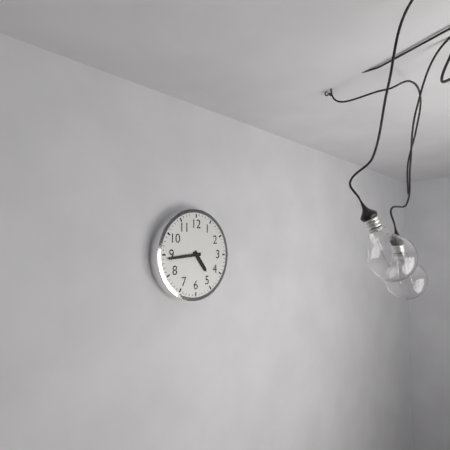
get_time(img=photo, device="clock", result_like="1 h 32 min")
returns 4 h 44 min
